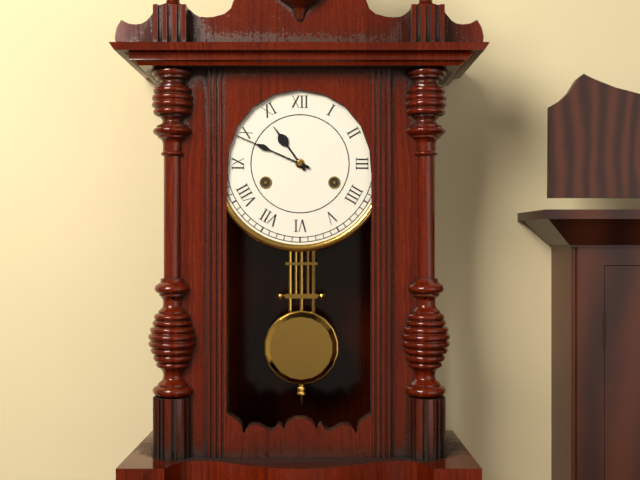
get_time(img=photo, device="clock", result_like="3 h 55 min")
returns 10 h 49 min
